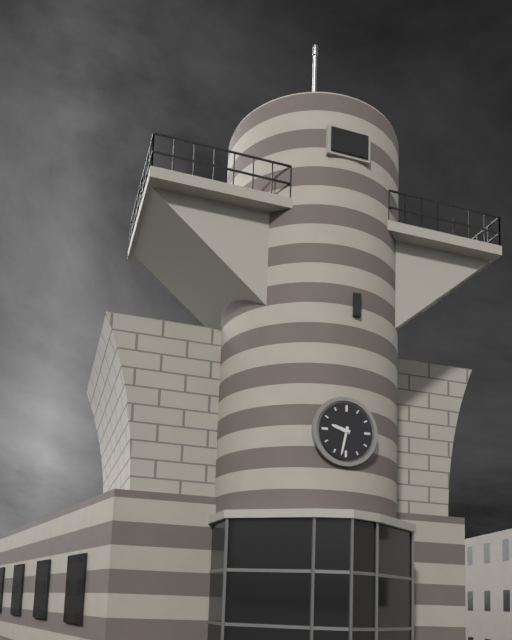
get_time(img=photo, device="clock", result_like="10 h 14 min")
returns 9 h 32 min
